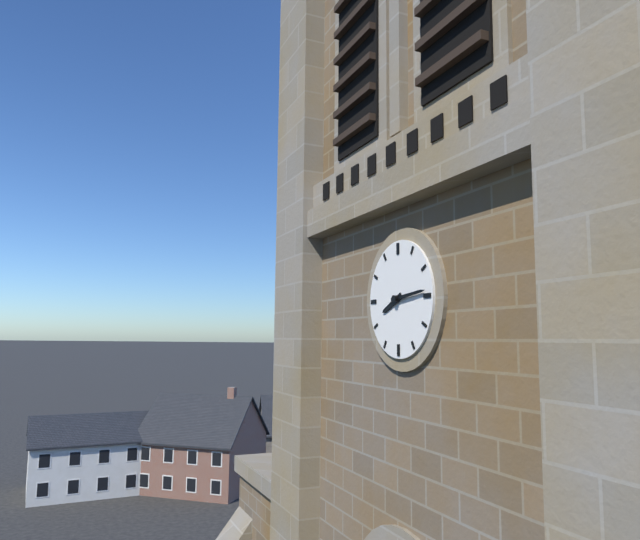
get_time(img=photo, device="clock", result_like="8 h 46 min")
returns 8 h 14 min
